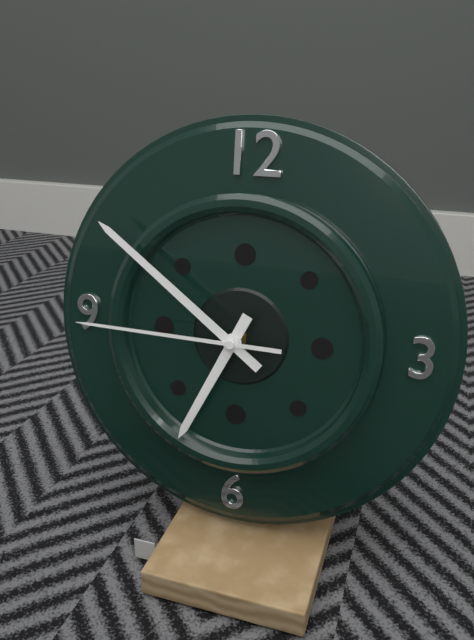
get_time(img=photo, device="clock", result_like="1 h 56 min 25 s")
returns 6 h 51 min 45 s
